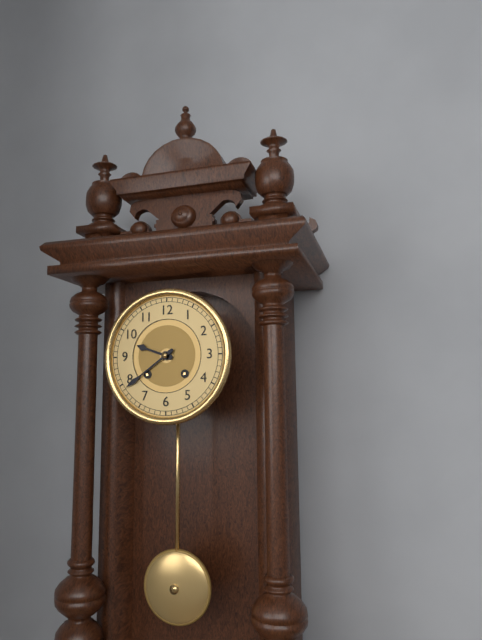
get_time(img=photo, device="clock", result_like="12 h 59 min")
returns 9 h 39 min
